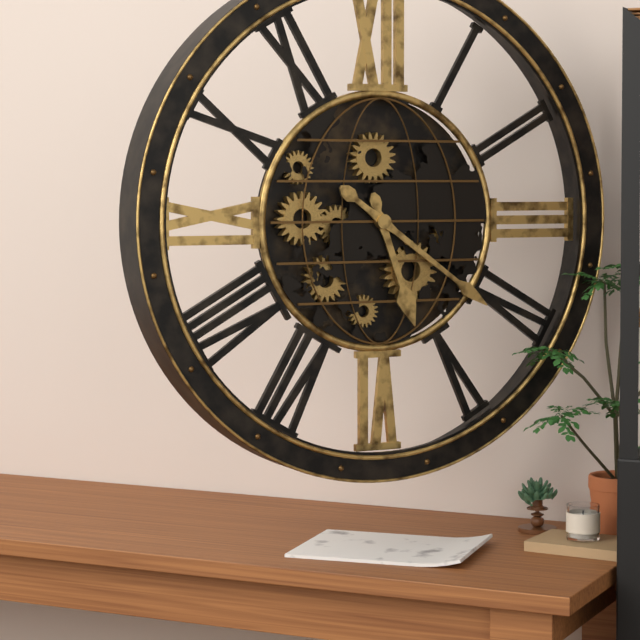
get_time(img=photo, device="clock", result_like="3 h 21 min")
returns 5 h 21 min
